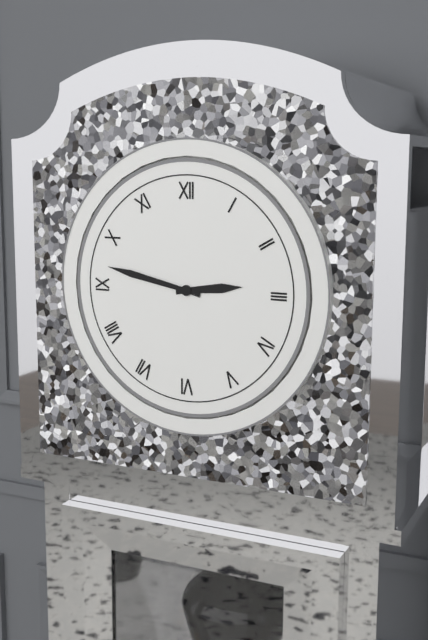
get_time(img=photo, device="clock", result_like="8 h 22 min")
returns 2 h 47 min
